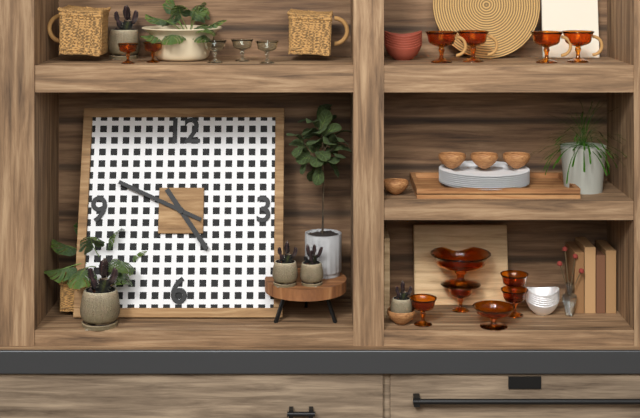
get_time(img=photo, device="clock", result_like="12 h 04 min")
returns 4 h 49 min
